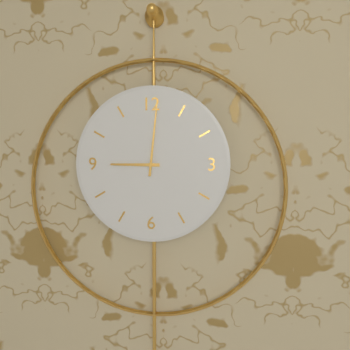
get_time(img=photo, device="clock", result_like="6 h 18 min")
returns 9 h 01 min
